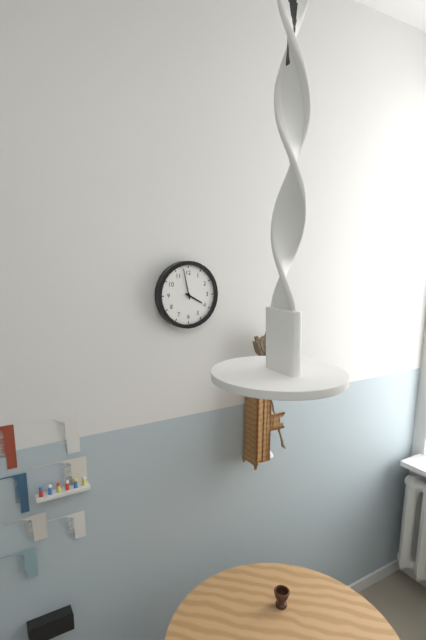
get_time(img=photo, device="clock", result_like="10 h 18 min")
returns 3 h 58 min
